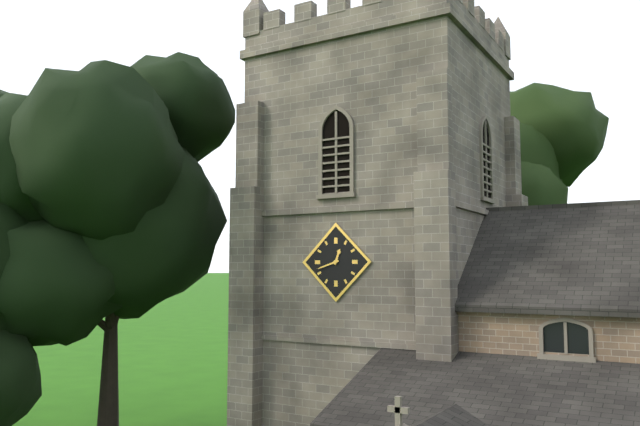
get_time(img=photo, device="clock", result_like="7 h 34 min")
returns 12 h 42 min
